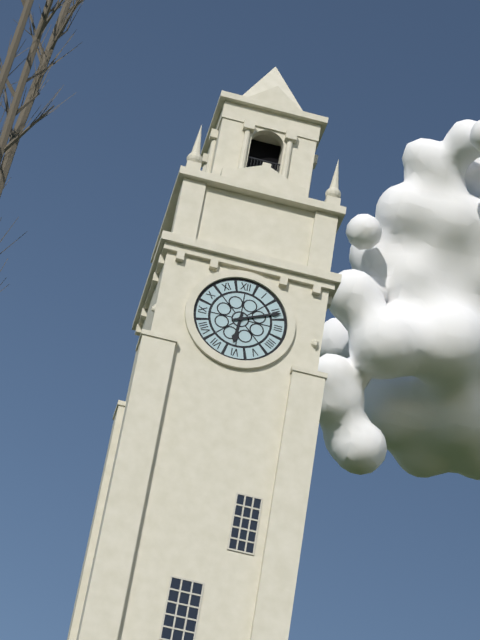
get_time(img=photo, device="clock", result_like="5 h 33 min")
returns 6 h 11 min
